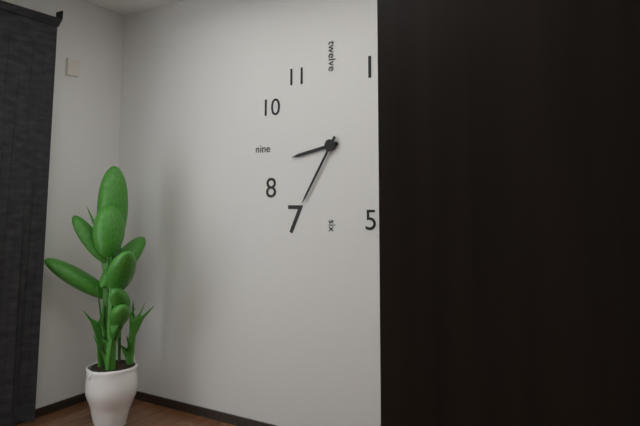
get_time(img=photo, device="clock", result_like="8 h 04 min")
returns 8 h 35 min
